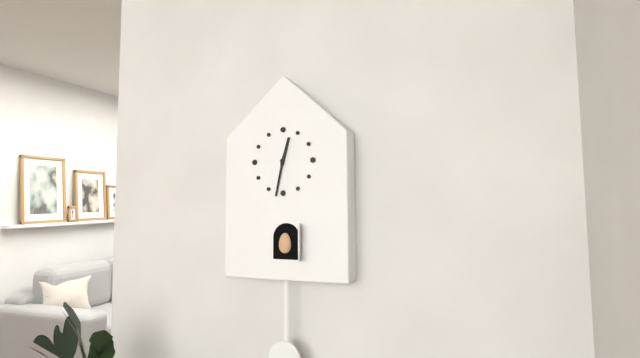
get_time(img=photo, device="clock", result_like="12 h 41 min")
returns 12 h 32 min
